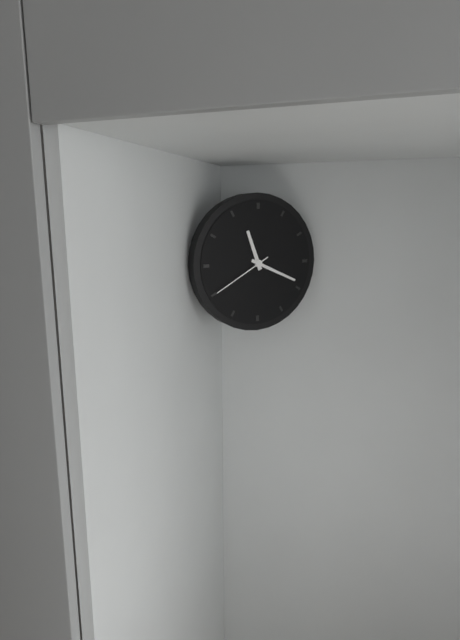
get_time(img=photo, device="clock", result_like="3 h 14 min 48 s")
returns 11 h 19 min 40 s
